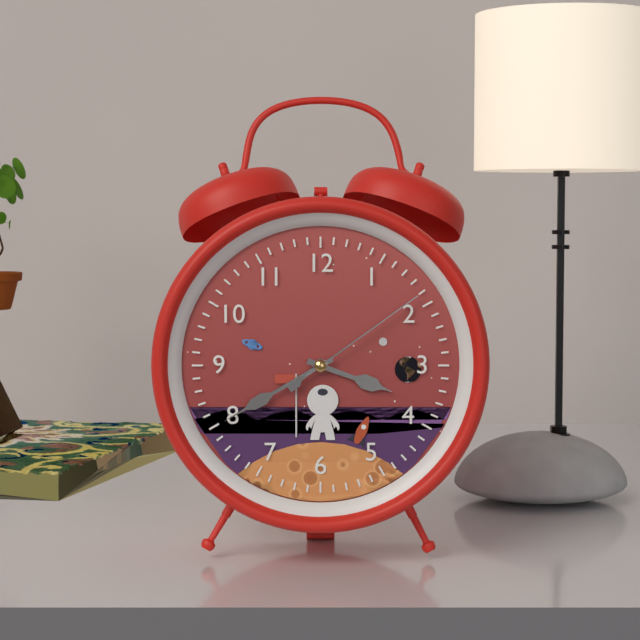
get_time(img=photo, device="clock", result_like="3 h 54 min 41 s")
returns 3 h 40 min 09 s
